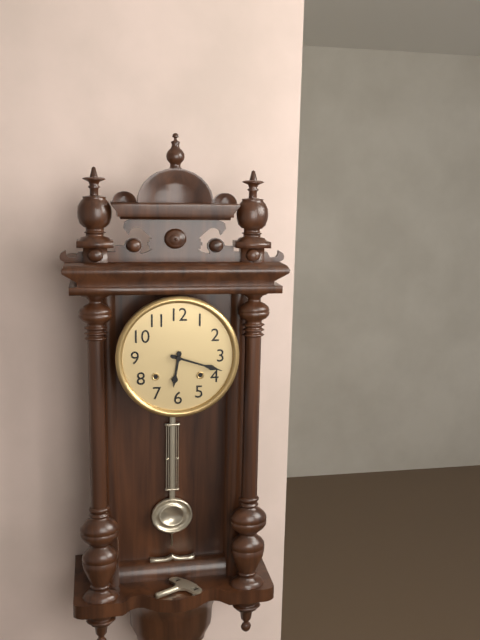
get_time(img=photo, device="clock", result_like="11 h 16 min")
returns 6 h 18 min
